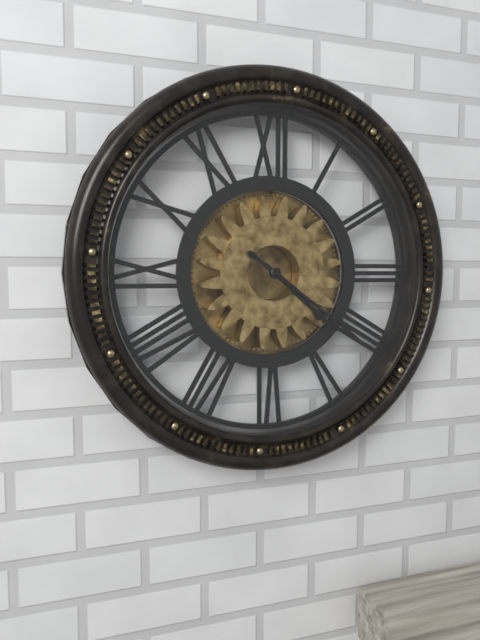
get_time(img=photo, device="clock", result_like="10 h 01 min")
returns 4 h 21 min
